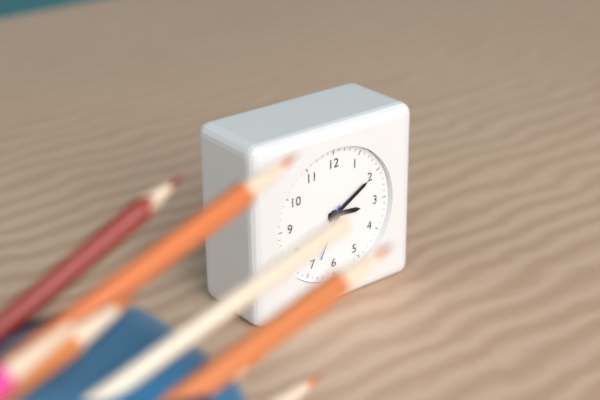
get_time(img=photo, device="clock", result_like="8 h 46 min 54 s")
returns 3 h 10 min 34 s
